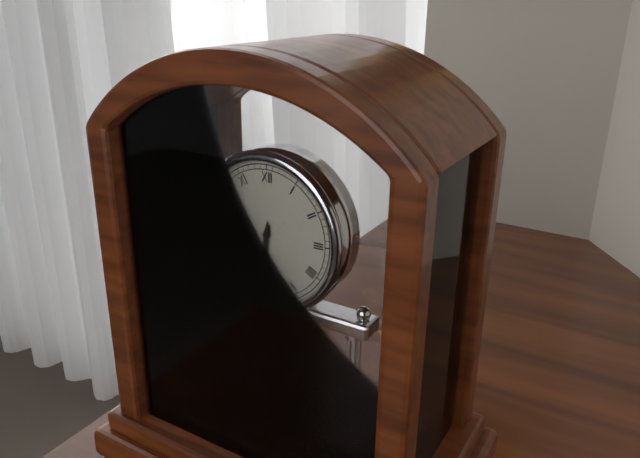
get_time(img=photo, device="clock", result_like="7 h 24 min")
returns 6 h 31 min
